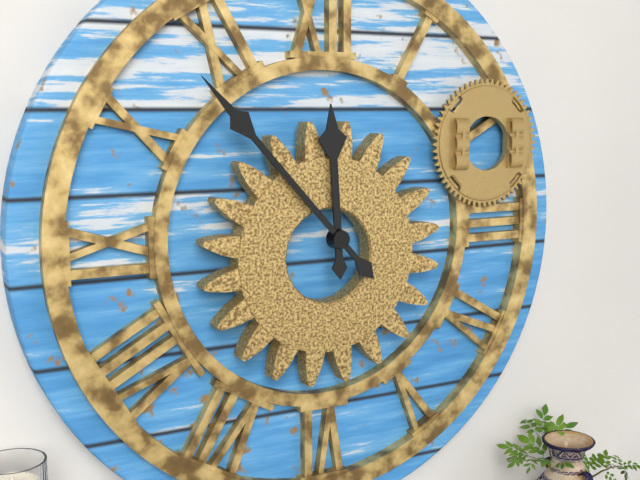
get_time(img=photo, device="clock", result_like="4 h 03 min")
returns 11 h 53 min
